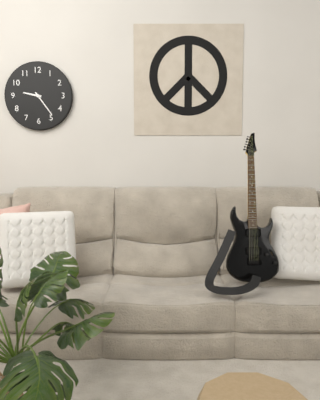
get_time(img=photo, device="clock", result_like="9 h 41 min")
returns 9 h 24 min
